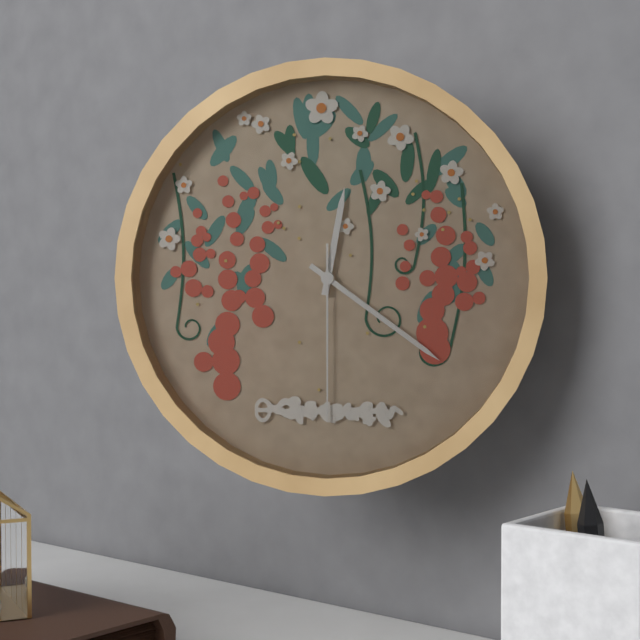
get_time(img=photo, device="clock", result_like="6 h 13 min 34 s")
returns 12 h 21 min 30 s
